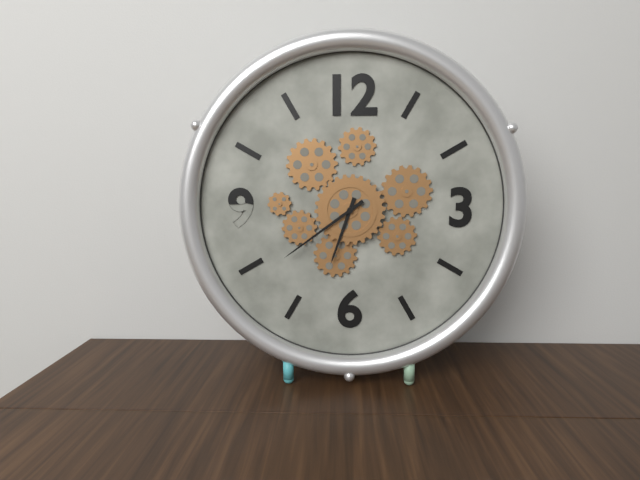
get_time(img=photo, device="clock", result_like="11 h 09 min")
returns 6 h 39 min
